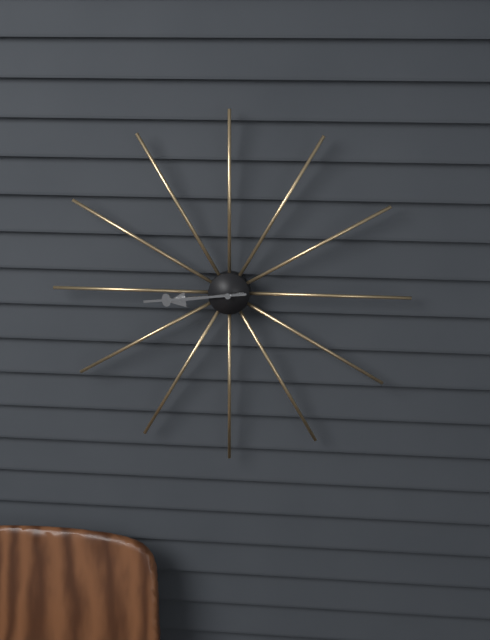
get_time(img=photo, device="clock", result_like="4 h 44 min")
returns 8 h 44 min
